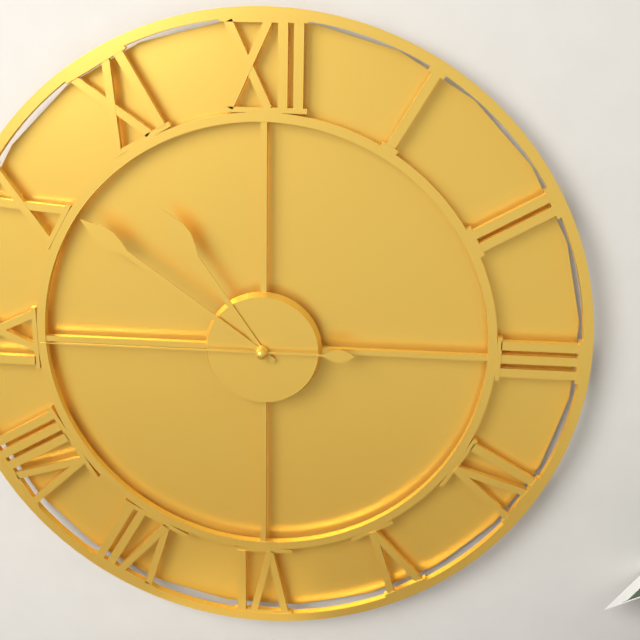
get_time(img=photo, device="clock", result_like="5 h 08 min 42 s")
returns 10 h 51 min 45 s
